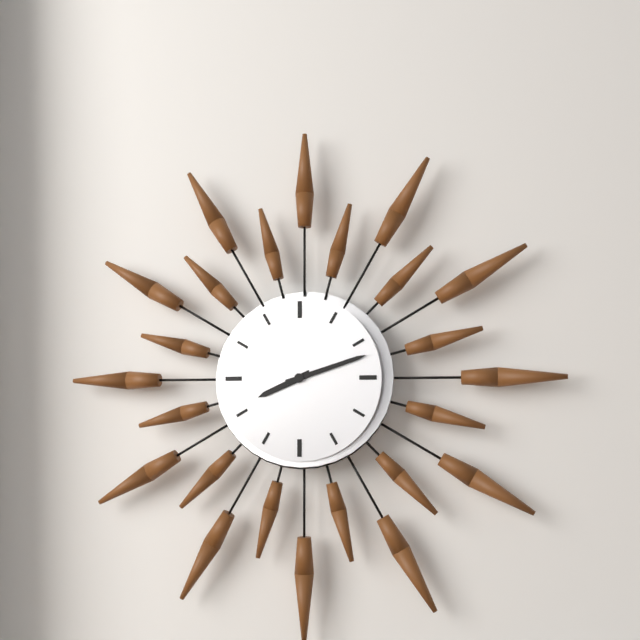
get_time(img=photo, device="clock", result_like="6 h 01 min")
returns 8 h 12 min
